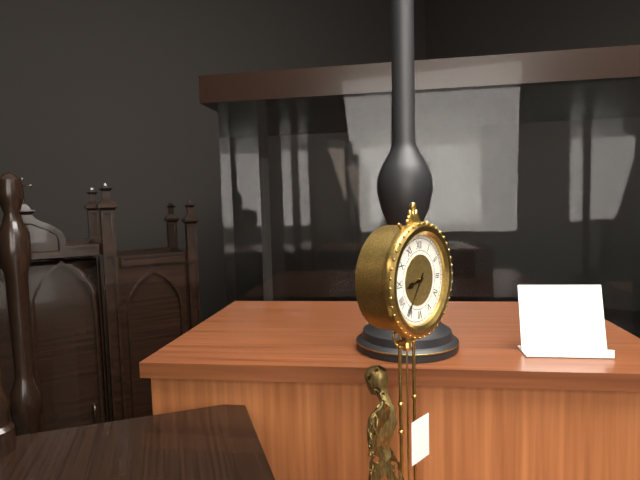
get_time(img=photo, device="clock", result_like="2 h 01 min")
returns 8 h 36 min
